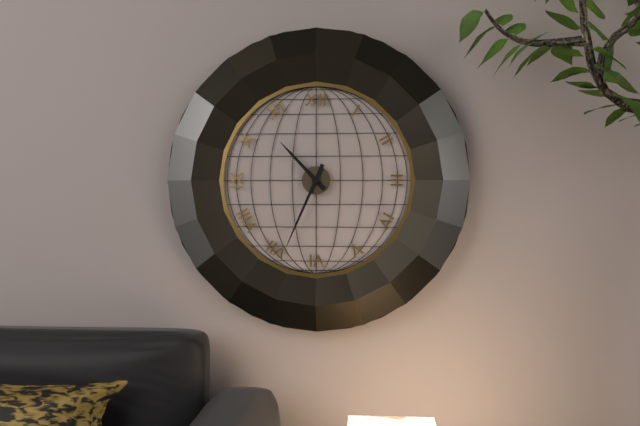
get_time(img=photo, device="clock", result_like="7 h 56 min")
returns 10 h 34 min
